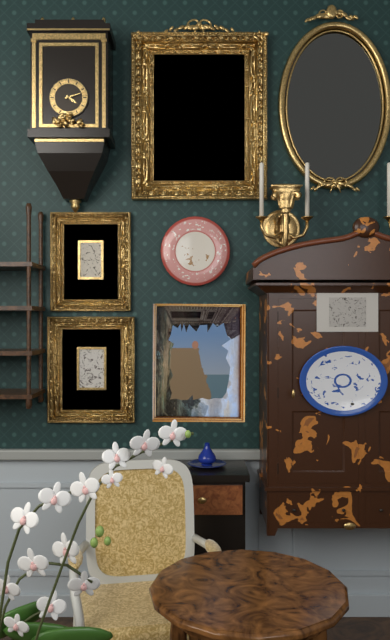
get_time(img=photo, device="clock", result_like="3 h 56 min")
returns 4 h 12 min
